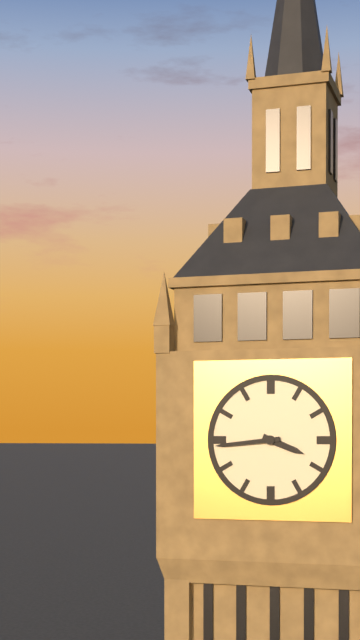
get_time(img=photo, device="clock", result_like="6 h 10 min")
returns 3 h 44 min
